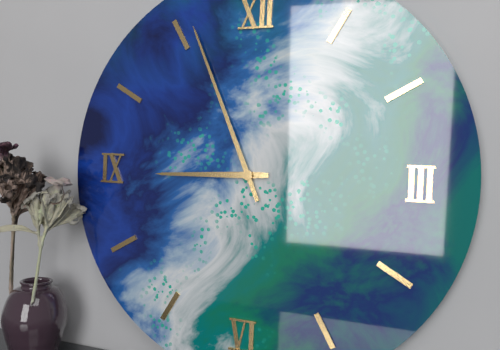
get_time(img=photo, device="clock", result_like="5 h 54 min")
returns 8 h 56 min
